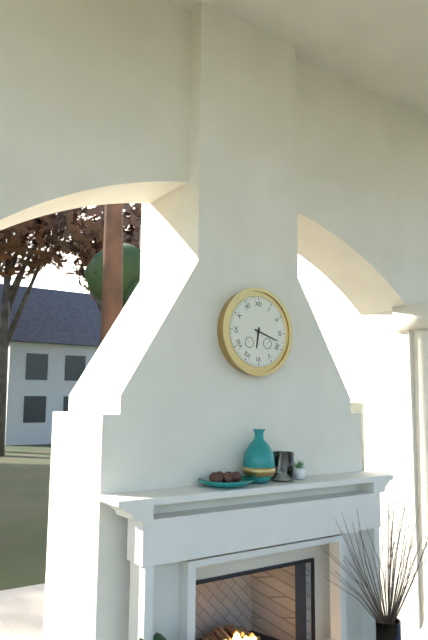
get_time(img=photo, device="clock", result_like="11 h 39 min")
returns 6 h 18 min
